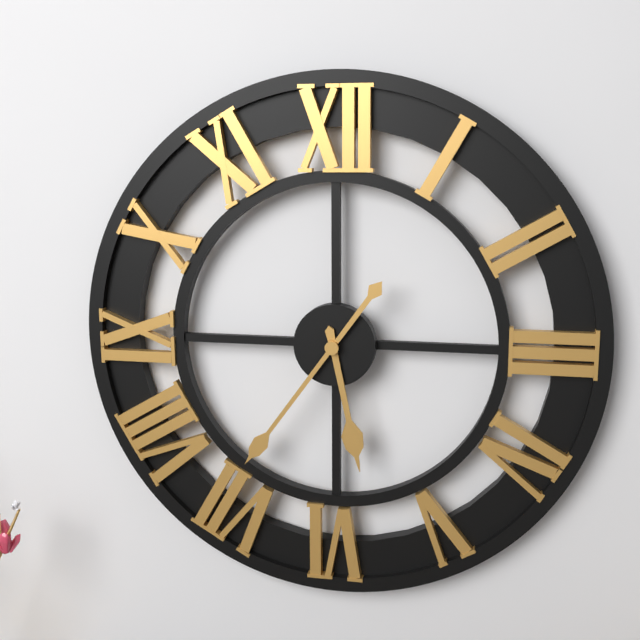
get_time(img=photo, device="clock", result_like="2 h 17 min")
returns 5 h 36 min
